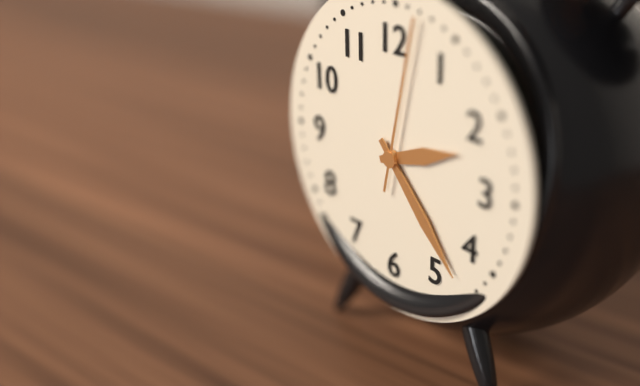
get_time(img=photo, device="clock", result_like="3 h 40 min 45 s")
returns 2 h 23 min 02 s
